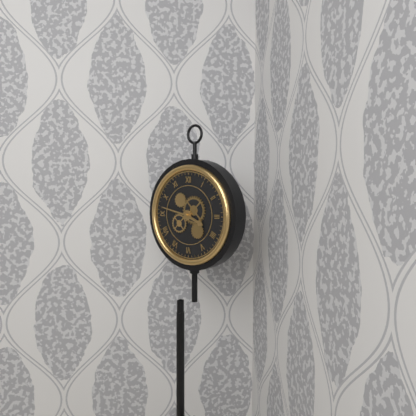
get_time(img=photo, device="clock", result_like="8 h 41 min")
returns 3 h 47 min
